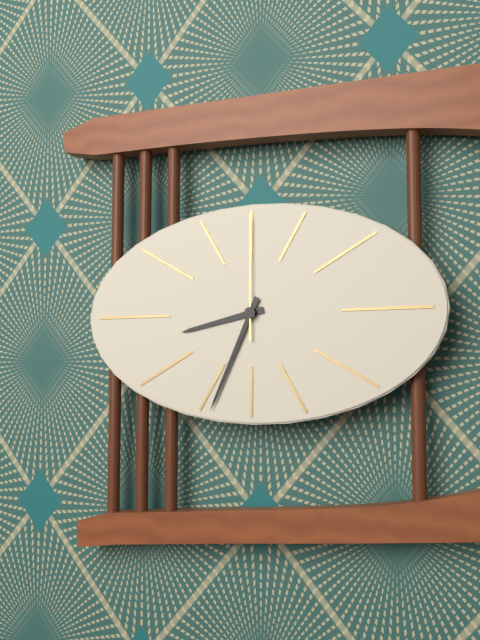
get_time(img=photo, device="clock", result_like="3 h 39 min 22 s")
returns 8 h 34 min 00 s
